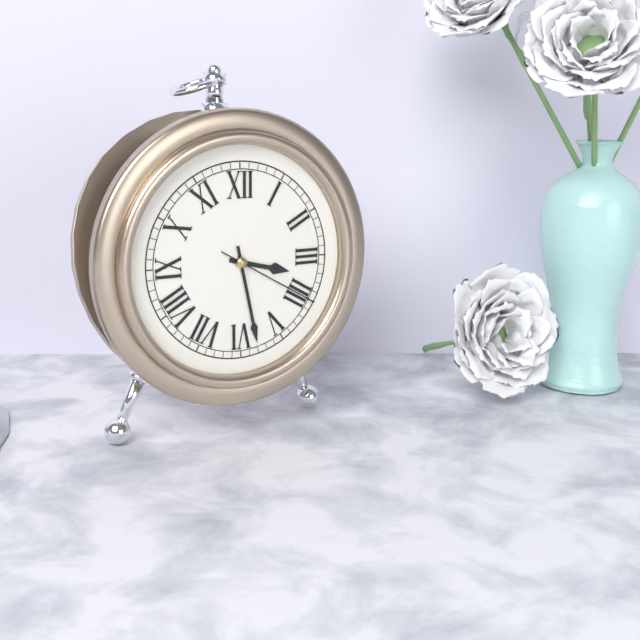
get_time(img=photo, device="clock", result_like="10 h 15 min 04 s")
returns 3 h 28 min 20 s
